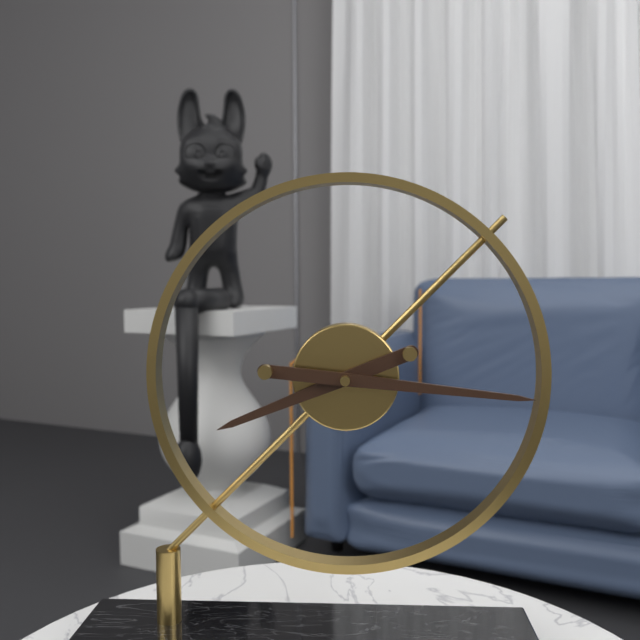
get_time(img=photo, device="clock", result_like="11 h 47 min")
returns 8 h 16 min
